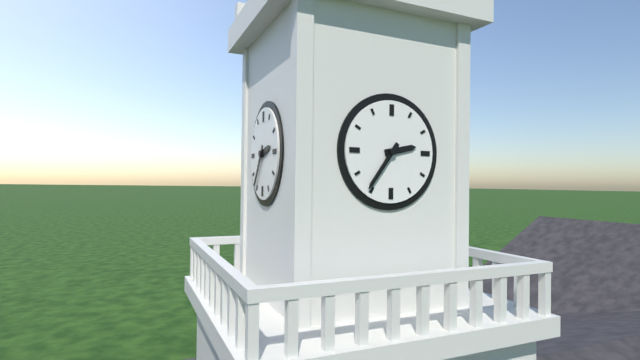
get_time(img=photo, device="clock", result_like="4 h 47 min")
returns 2 h 36 min
